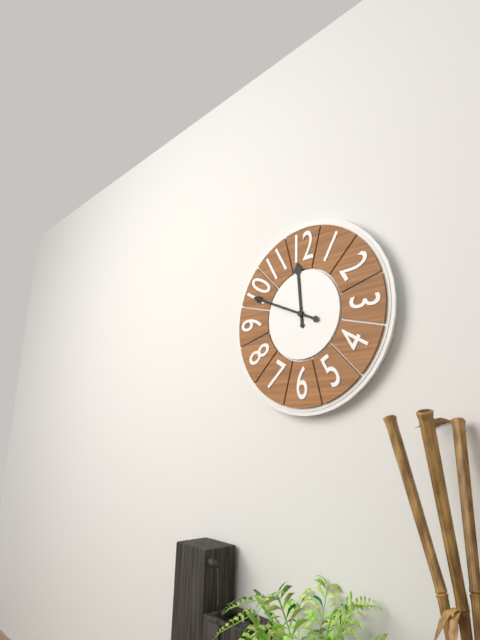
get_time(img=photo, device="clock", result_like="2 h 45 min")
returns 11 h 49 min
